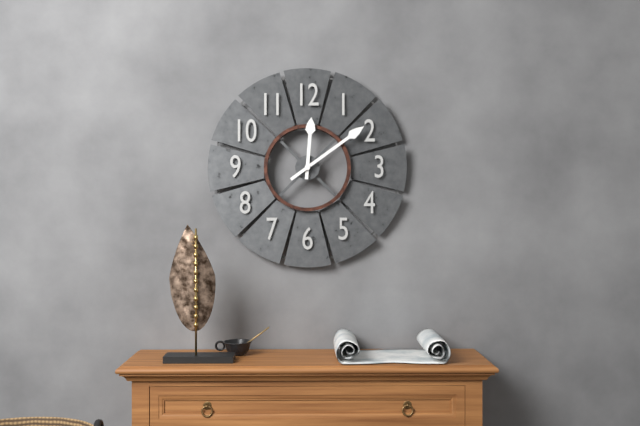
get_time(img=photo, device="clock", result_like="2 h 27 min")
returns 12 h 09 min
